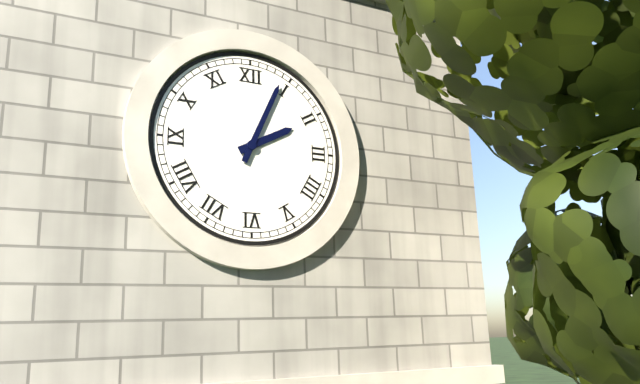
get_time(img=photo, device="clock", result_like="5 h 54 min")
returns 2 h 04 min
